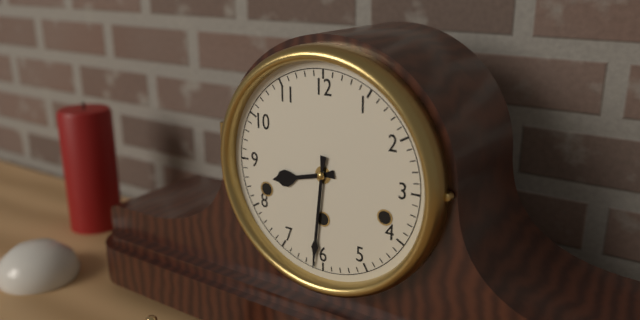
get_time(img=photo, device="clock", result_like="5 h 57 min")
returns 8 h 31 min
